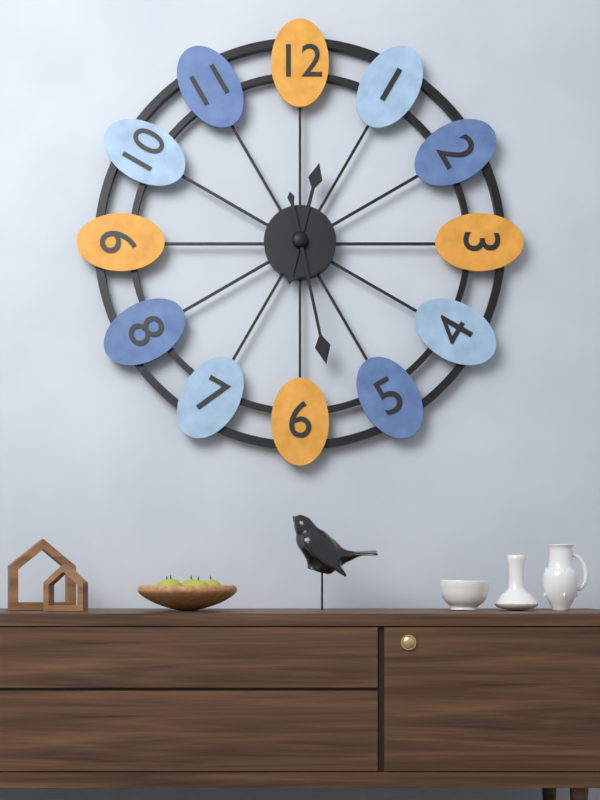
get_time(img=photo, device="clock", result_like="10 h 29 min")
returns 12 h 28 min
